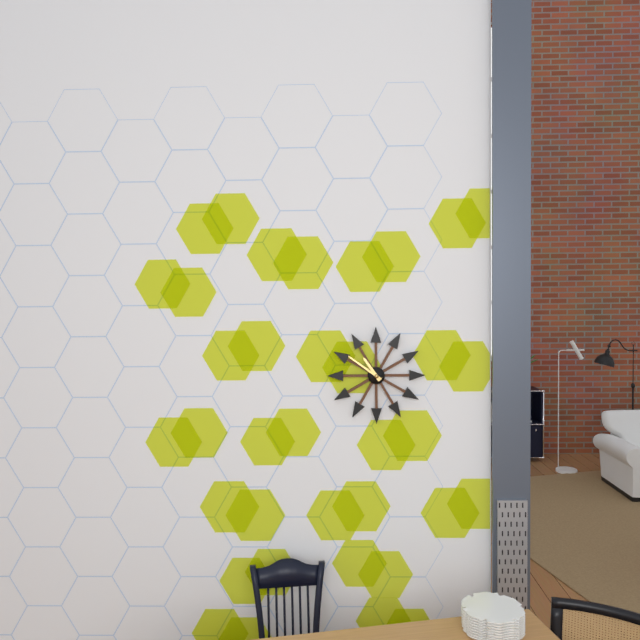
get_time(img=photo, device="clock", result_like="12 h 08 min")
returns 10 h 51 min
